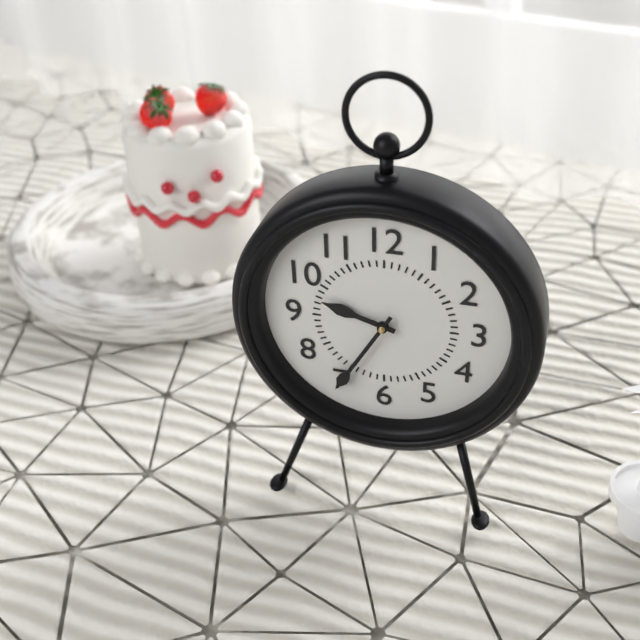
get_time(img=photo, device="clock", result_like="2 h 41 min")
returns 9 h 35 min
